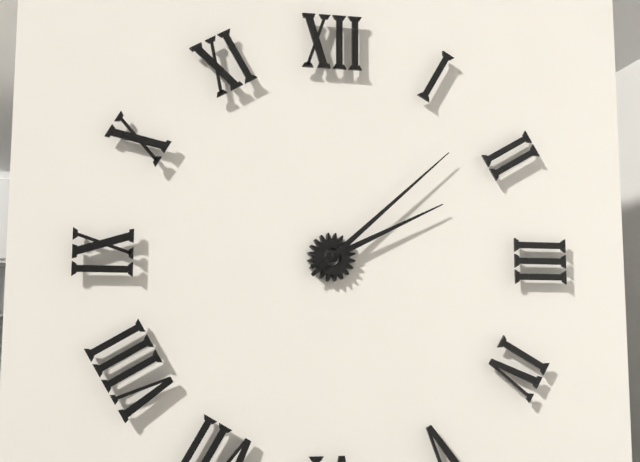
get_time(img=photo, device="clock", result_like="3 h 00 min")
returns 2 h 08 min
